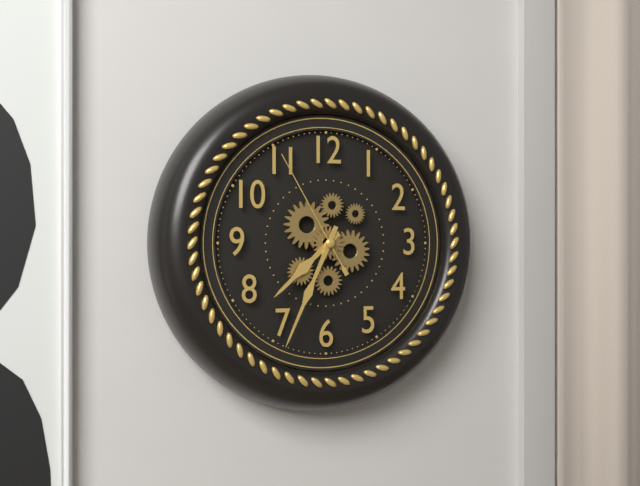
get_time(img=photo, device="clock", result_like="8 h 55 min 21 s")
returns 7 h 34 min 55 s
